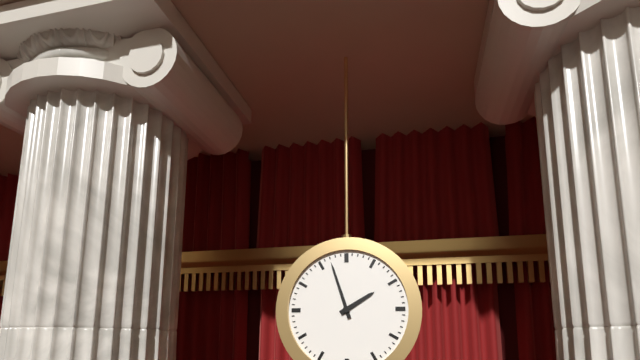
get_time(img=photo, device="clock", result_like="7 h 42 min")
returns 1 h 57 min
